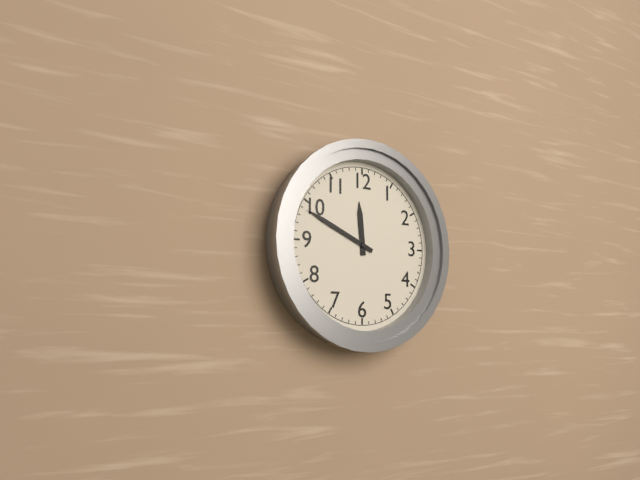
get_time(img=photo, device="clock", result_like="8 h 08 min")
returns 11 h 49 min
